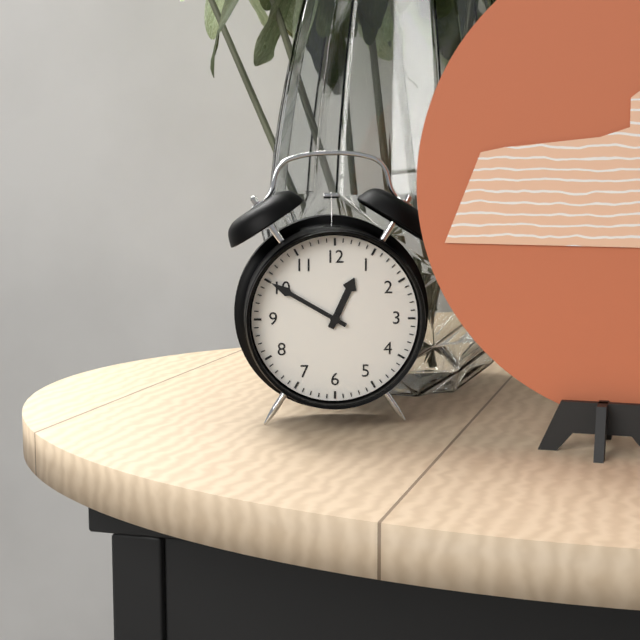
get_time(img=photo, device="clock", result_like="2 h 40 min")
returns 12 h 50 min
